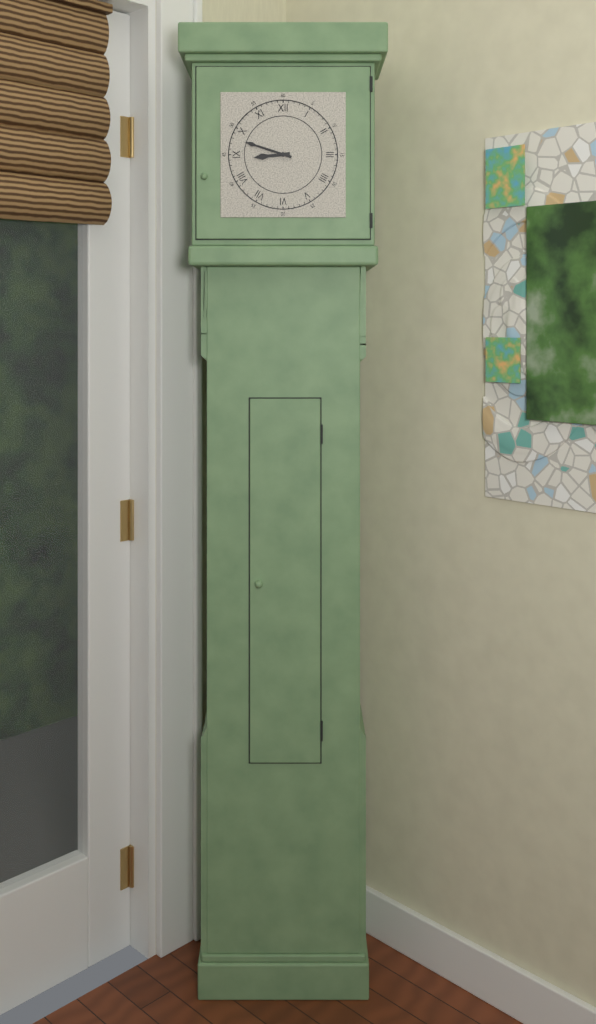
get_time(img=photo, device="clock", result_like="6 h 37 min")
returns 8 h 48 min
